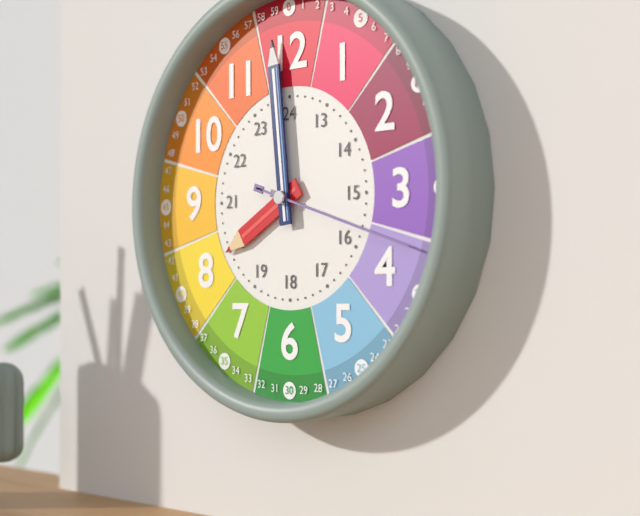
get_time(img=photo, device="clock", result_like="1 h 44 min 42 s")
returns 7 h 59 min 18 s
